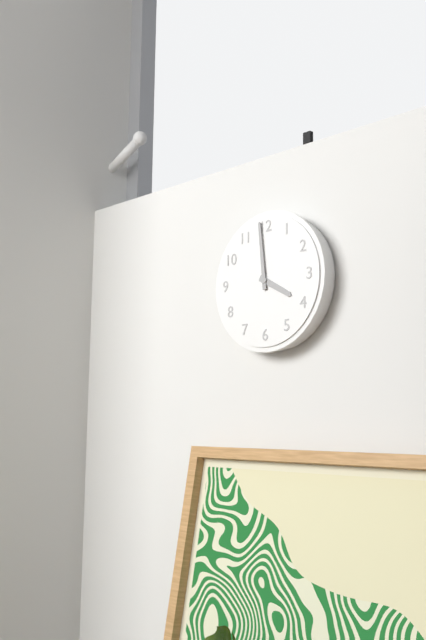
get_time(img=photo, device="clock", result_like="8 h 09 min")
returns 3 h 59 min
